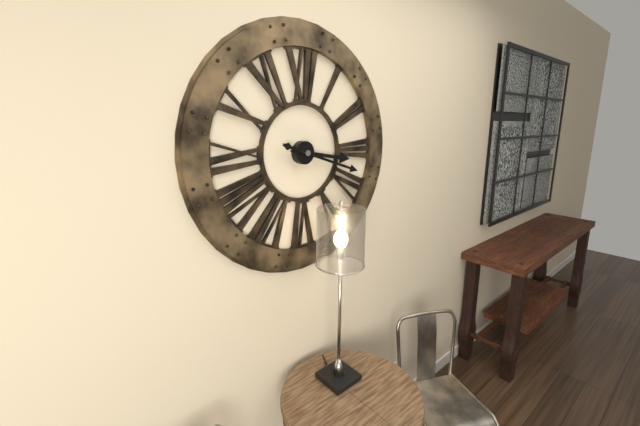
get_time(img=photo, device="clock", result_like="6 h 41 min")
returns 3 h 18 min
